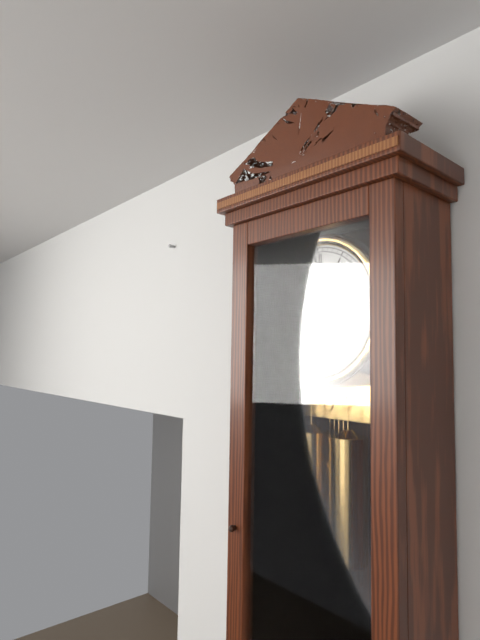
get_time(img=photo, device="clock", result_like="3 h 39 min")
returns 9 h 51 min
